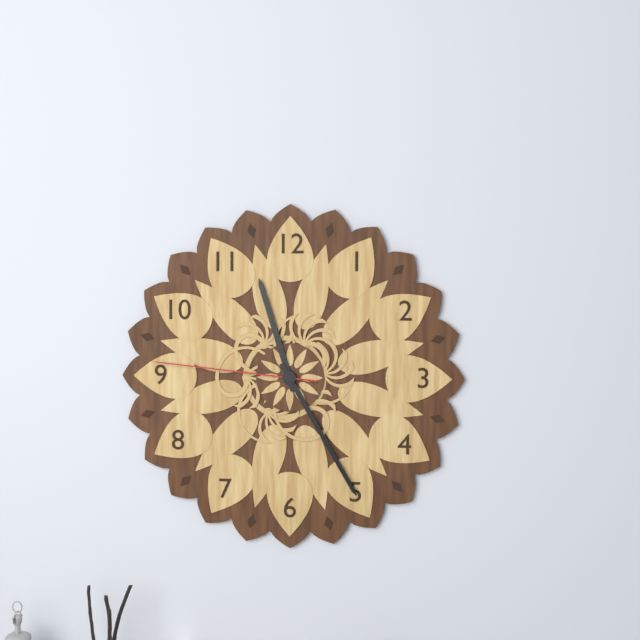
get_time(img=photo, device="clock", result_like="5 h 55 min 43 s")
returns 11 h 25 min 46 s
